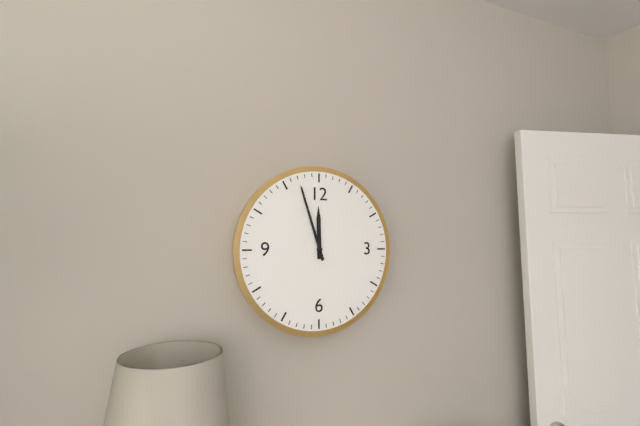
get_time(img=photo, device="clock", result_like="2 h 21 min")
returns 11 h 57 min
